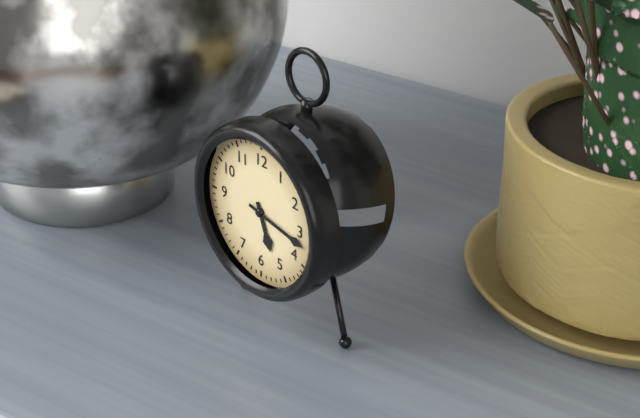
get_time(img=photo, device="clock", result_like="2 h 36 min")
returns 5 h 17 min
